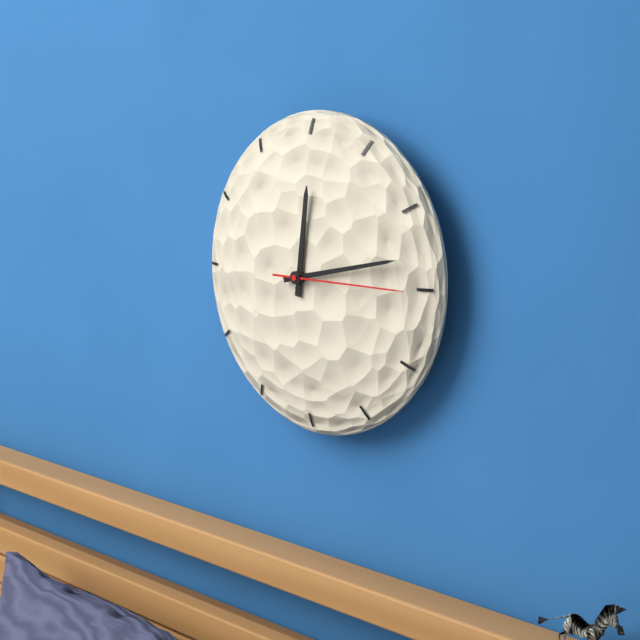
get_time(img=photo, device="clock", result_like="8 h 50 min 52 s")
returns 12 h 13 min 15 s
